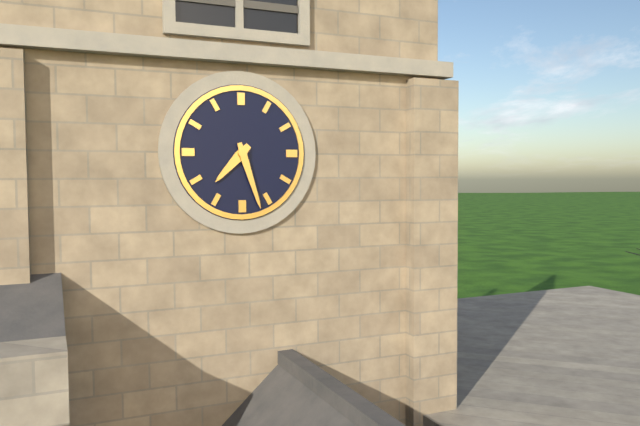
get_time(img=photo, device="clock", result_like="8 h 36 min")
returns 7 h 27 min
